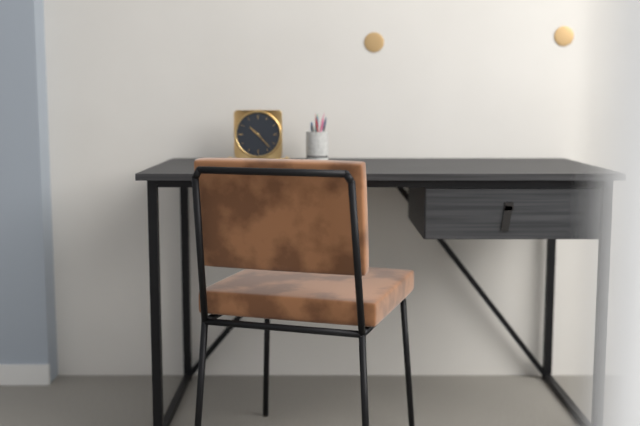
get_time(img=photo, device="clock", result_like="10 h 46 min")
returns 10 h 23 min
